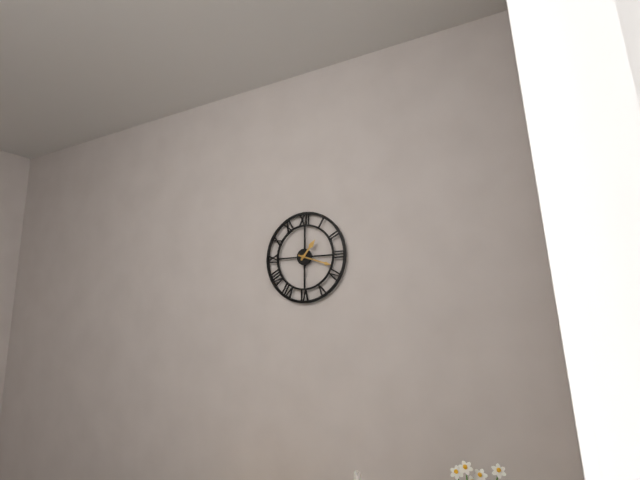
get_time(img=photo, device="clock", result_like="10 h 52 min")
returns 1 h 18 min
